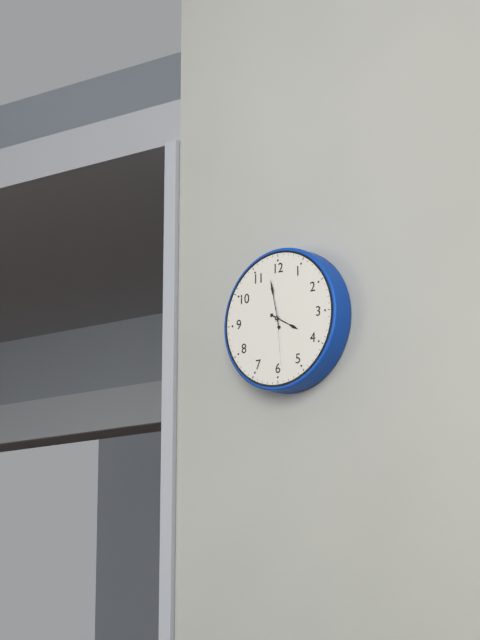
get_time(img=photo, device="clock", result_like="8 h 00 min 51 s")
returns 3 h 58 min 29 s
